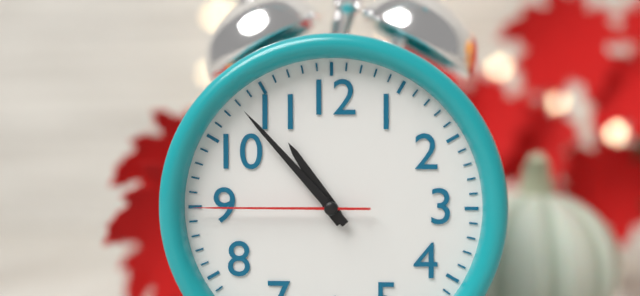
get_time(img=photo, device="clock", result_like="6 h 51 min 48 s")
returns 10 h 53 min 45 s
